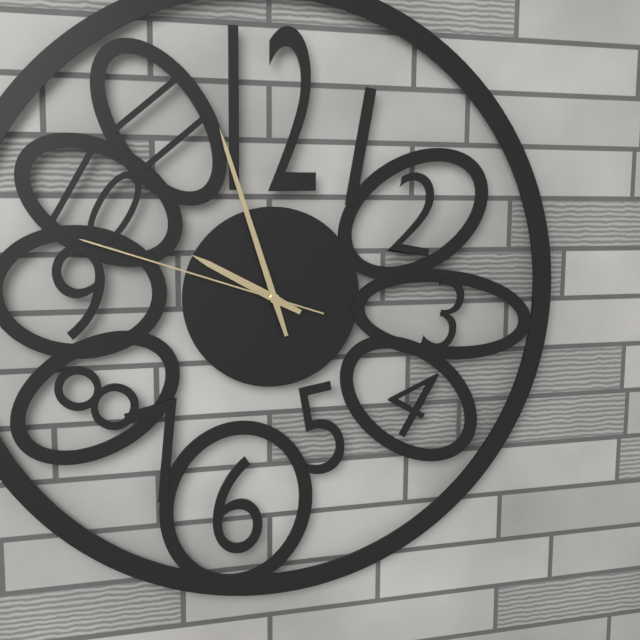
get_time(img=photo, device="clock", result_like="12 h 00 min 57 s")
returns 9 h 57 min 48 s
